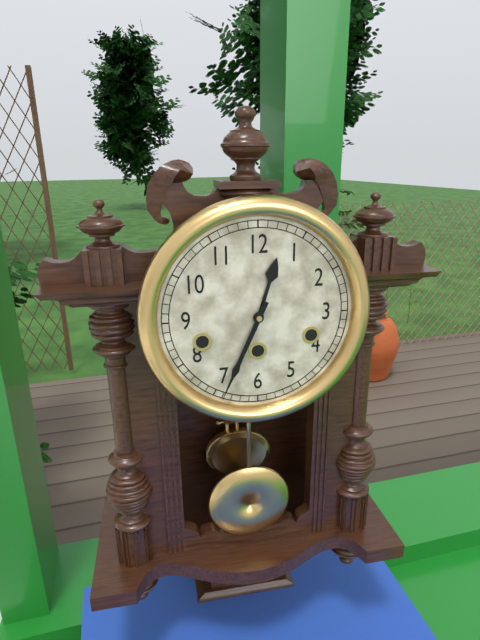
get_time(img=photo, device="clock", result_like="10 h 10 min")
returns 12 h 34 min
